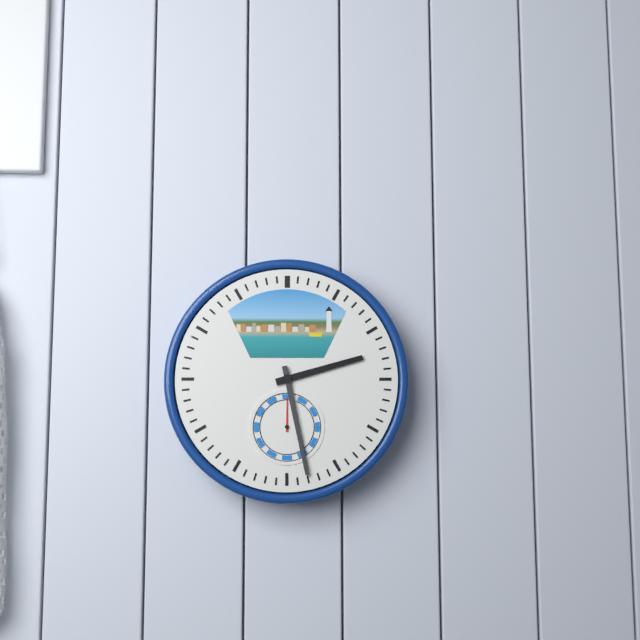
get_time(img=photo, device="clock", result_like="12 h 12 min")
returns 2 h 28 min
